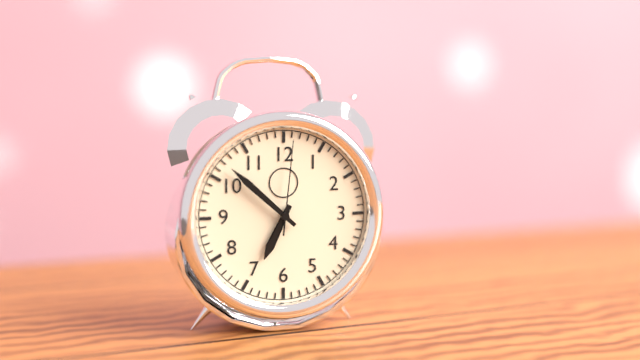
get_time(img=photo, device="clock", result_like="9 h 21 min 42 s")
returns 6 h 52 min 01 s
